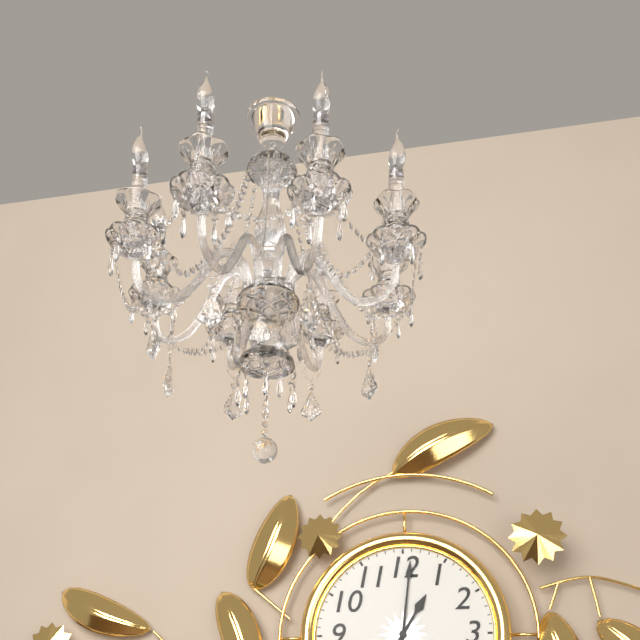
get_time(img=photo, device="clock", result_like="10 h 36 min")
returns 1 h 01 min
